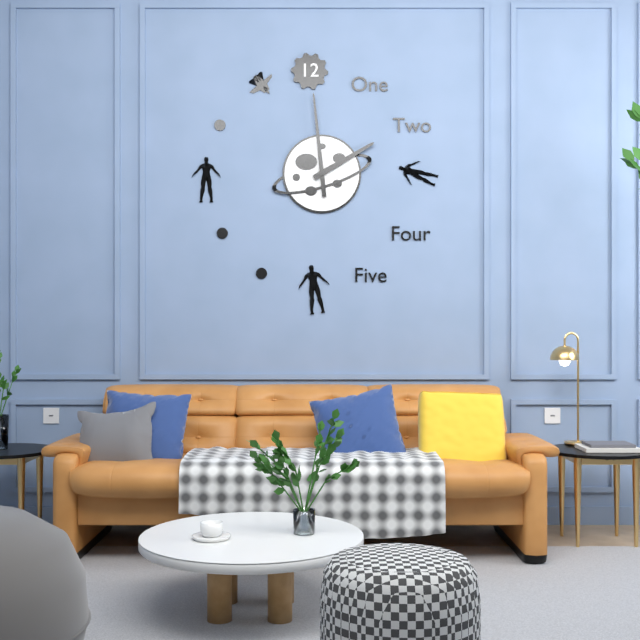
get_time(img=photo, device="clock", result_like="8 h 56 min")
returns 1 h 59 min
